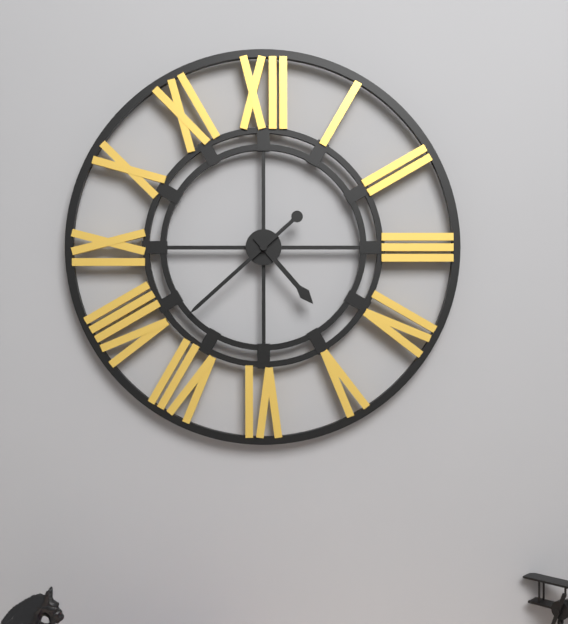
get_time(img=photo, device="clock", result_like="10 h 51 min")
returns 4 h 38 min
